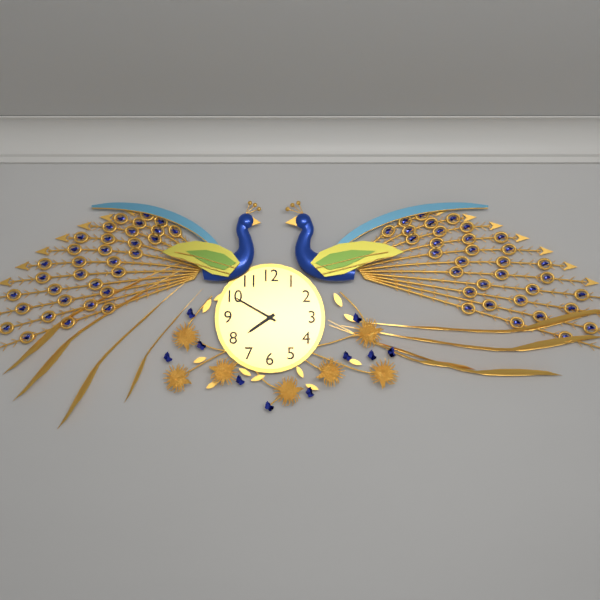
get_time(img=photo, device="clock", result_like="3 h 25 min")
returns 7 h 50 min
